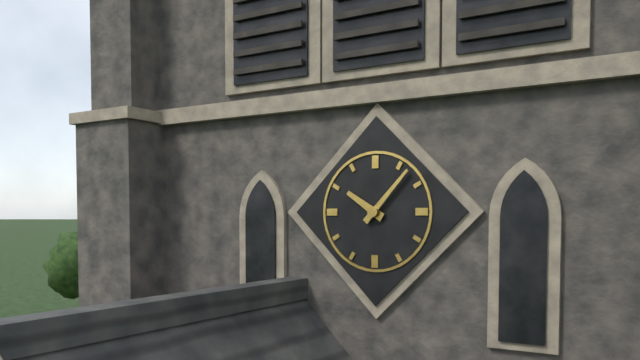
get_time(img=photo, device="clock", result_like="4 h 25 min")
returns 10 h 07 min
